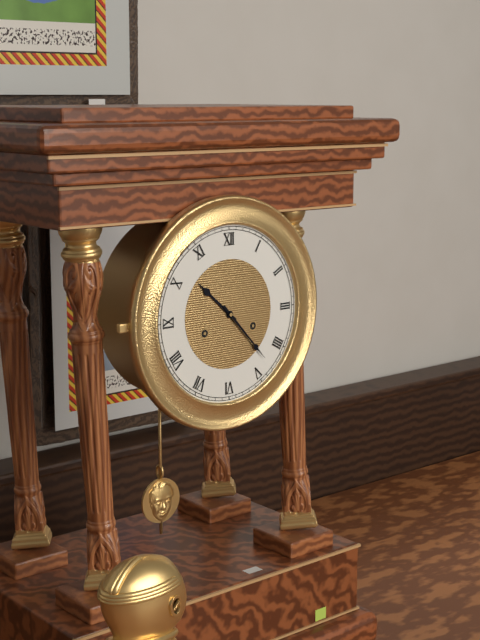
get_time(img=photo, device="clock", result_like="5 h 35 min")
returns 10 h 23 min
